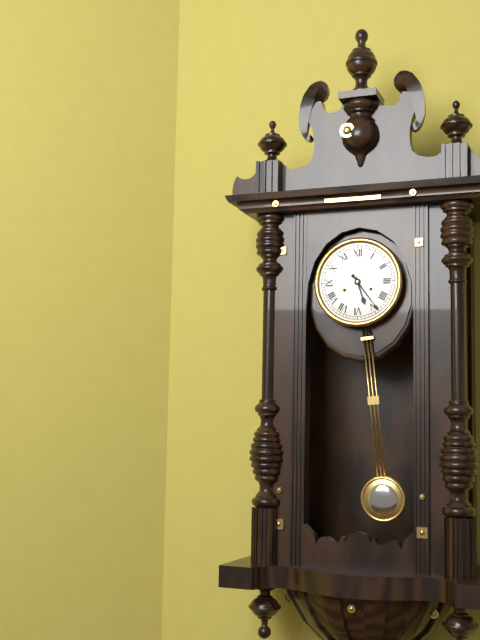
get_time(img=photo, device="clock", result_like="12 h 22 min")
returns 5 h 24 min
